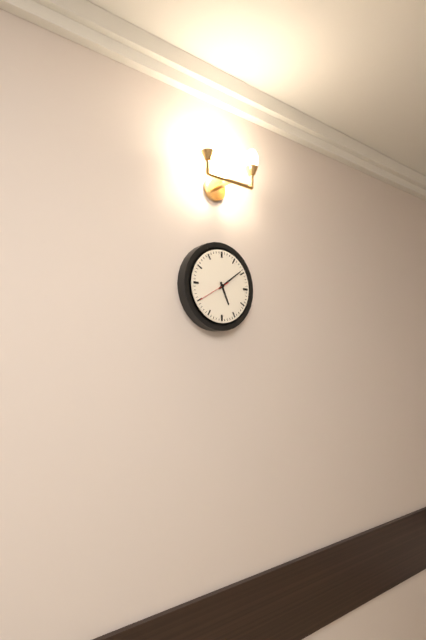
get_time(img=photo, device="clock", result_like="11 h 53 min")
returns 5 h 09 min
